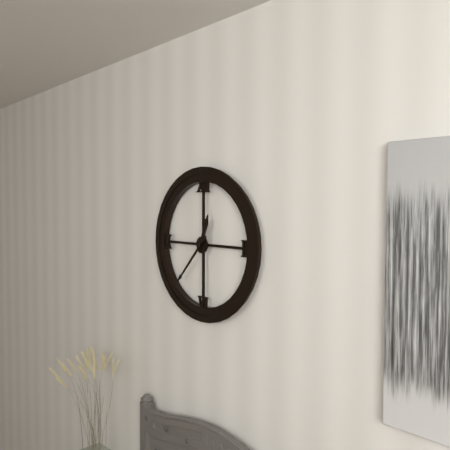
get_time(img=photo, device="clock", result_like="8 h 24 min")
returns 12 h 37 min
